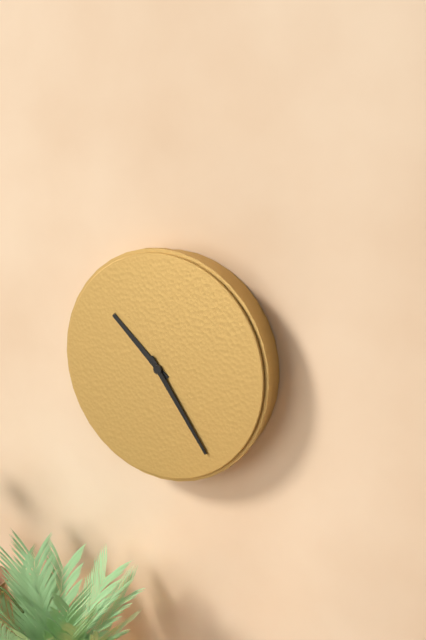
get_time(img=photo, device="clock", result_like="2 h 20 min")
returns 10 h 24 min
